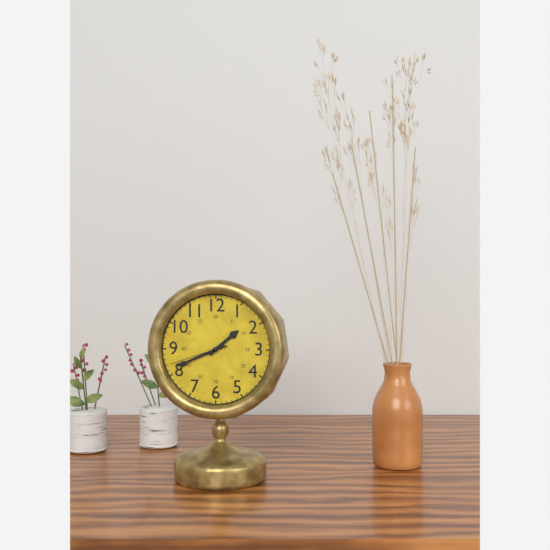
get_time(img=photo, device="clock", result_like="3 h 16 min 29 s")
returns 1 h 41 min 42 s
